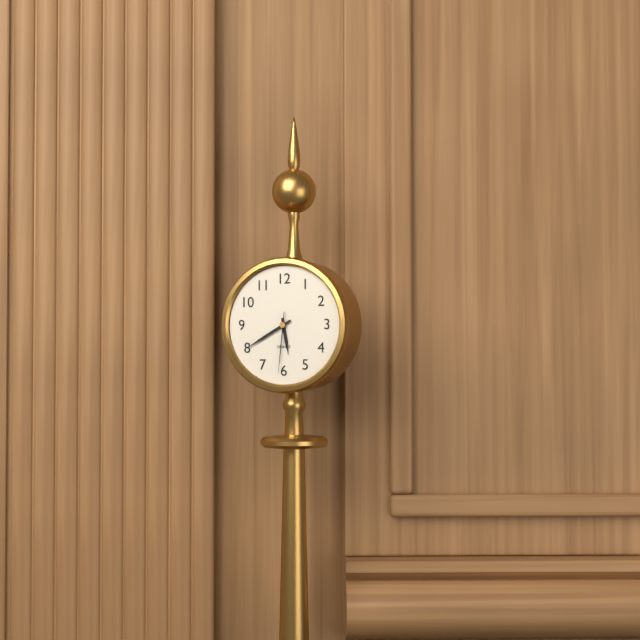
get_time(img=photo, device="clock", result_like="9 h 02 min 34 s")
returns 5 h 40 min 31 s
